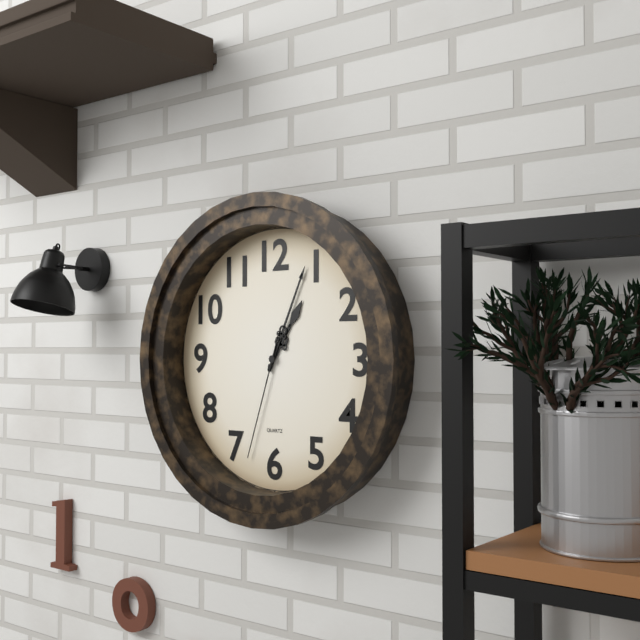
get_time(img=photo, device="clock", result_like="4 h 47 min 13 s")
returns 1 h 04 min 33 s
